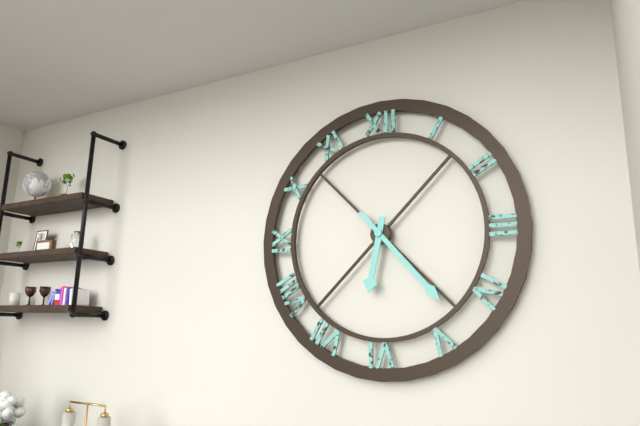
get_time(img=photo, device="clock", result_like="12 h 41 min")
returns 6 h 23 min
